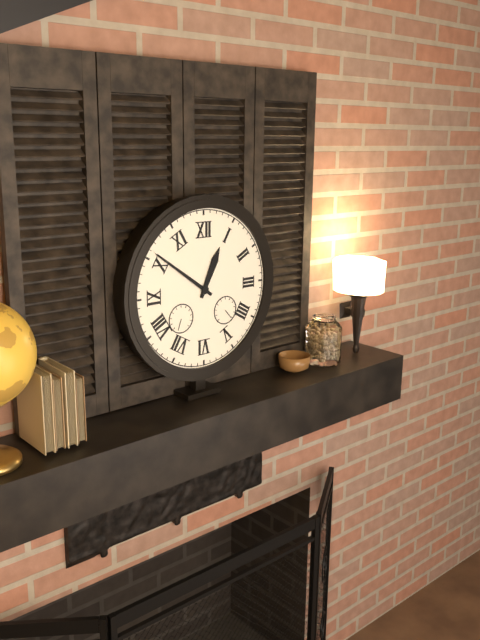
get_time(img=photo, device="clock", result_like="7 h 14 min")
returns 12 h 51 min
